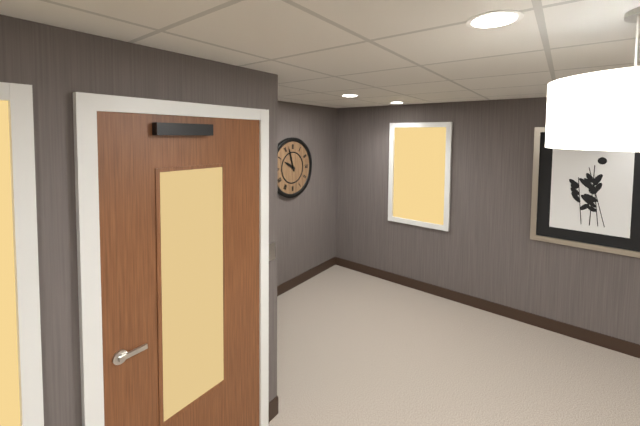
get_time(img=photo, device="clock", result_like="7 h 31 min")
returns 9 h 57 min
